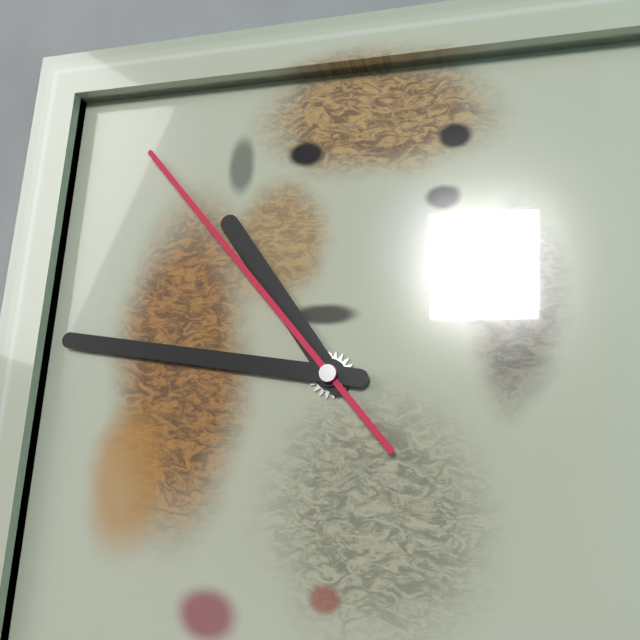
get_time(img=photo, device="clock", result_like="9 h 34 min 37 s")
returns 10 h 46 min 53 s
